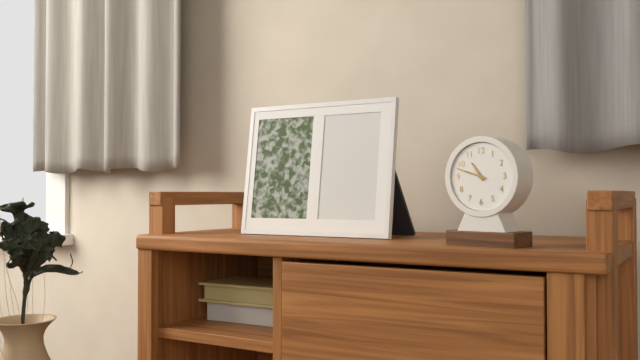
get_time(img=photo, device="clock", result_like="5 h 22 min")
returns 10 h 48 min
